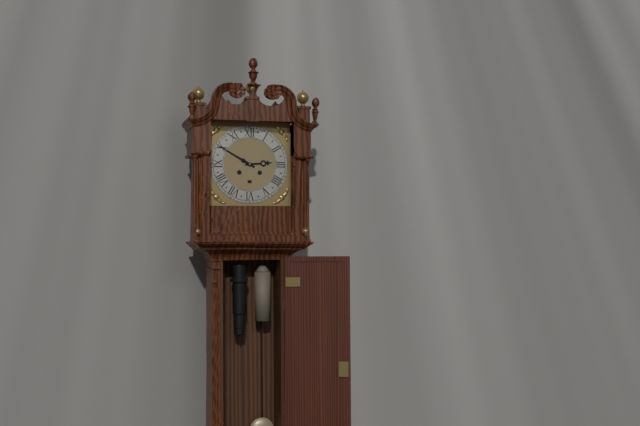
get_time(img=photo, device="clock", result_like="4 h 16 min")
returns 2 h 50 min
